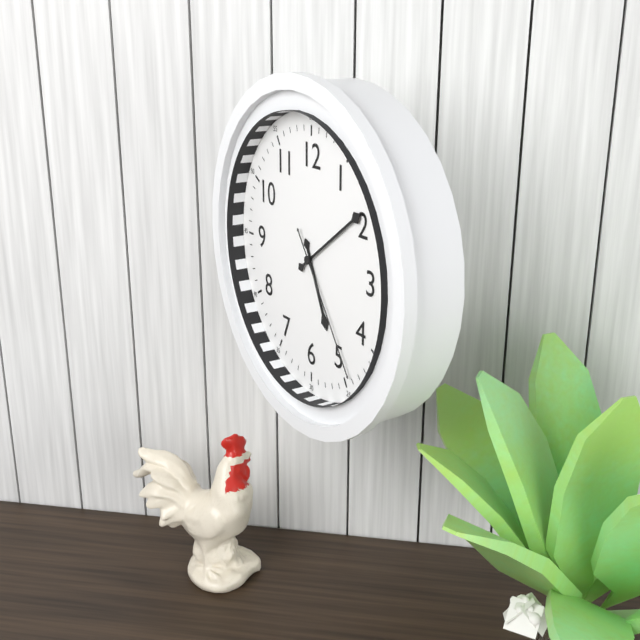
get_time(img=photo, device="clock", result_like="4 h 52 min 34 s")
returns 5 h 09 min 24 s
